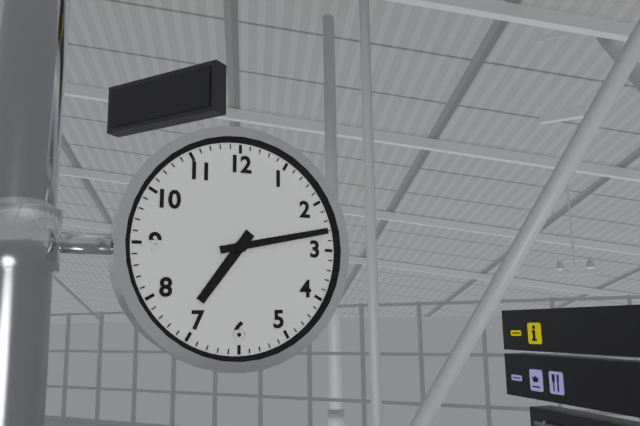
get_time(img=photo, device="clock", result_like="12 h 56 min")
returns 7 h 13 min
